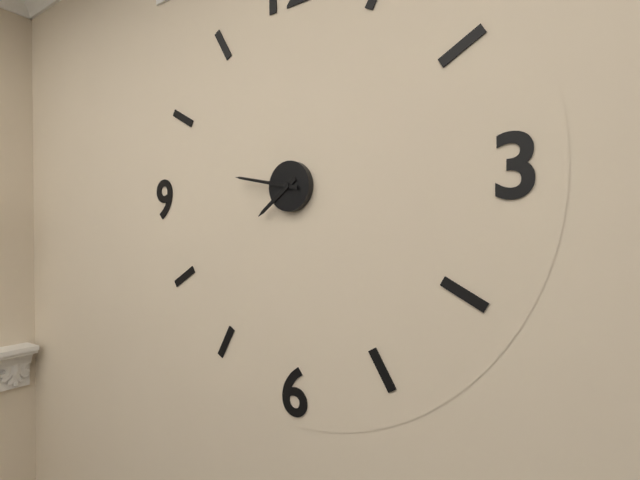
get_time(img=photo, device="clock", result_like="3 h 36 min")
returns 7 h 47 min
